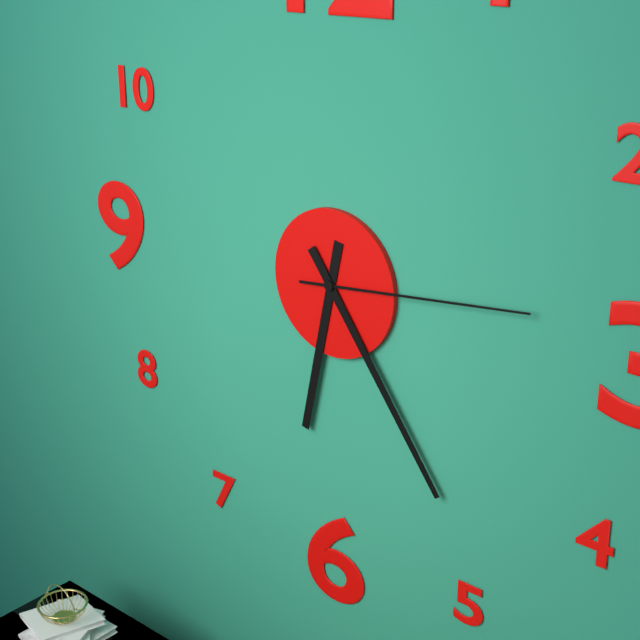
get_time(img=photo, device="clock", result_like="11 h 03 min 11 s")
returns 6 h 24 min 14 s
